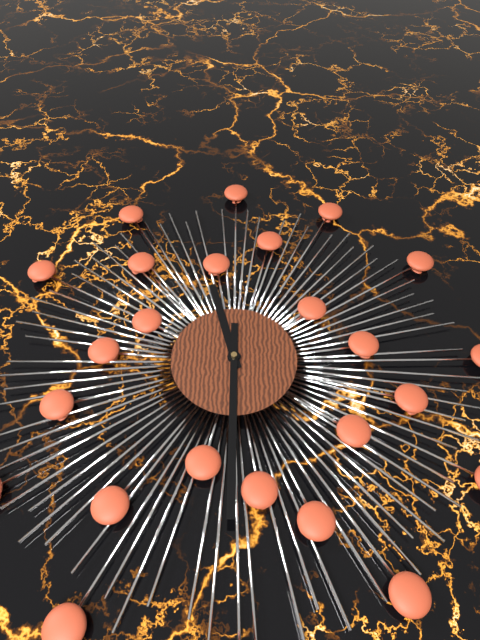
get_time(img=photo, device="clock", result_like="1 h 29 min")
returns 11 h 30 min
